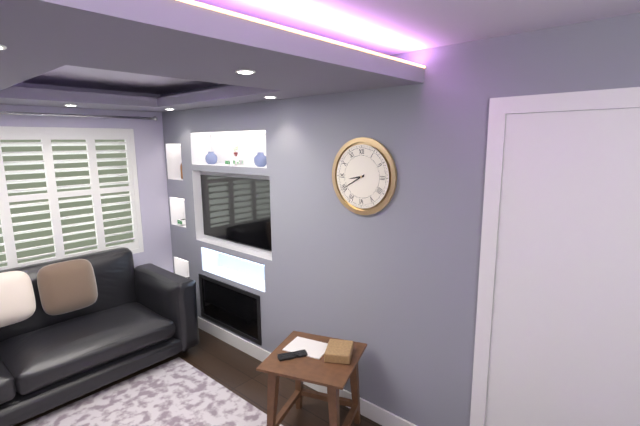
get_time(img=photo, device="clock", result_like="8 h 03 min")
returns 8 h 40 min
